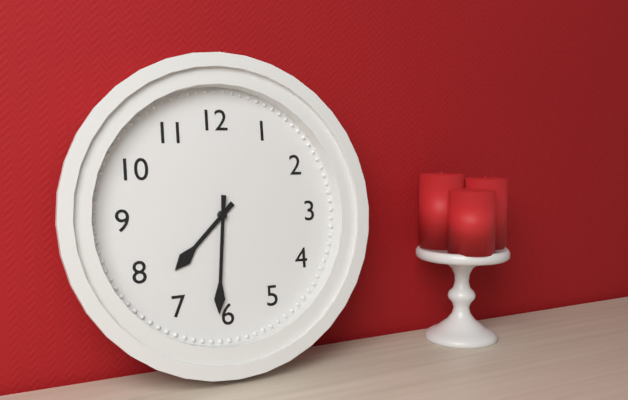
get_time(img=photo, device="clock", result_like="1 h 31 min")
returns 7 h 31 min
